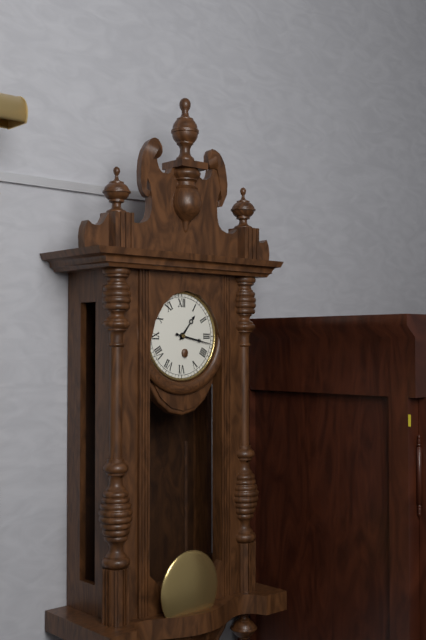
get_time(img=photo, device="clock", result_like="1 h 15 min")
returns 1 h 17 min
